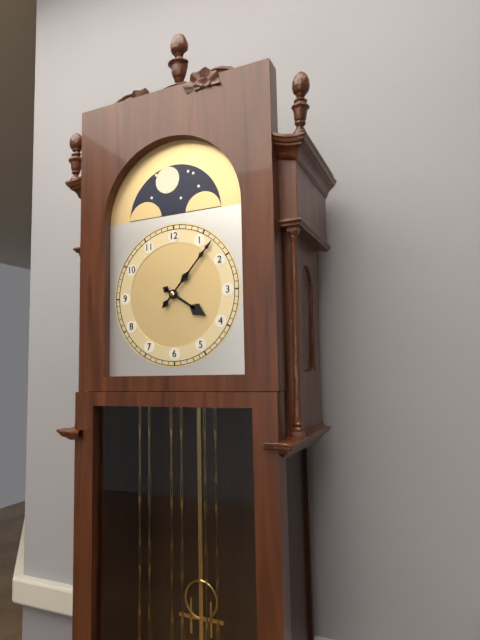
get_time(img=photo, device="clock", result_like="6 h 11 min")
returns 4 h 07 min
